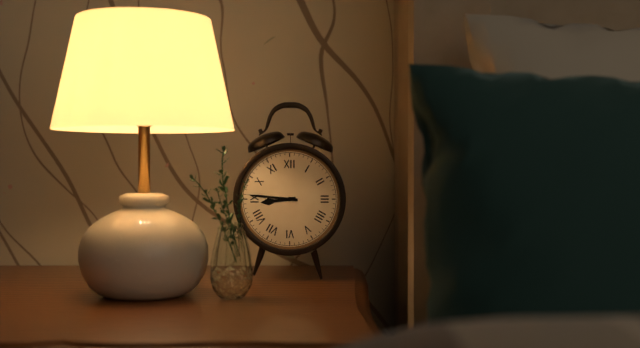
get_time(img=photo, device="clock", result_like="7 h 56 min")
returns 8 h 46 min
